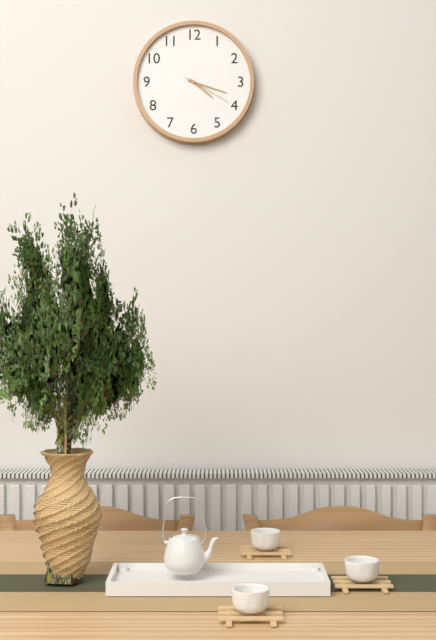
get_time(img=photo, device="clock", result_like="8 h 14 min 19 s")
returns 4 h 18 min 20 s
